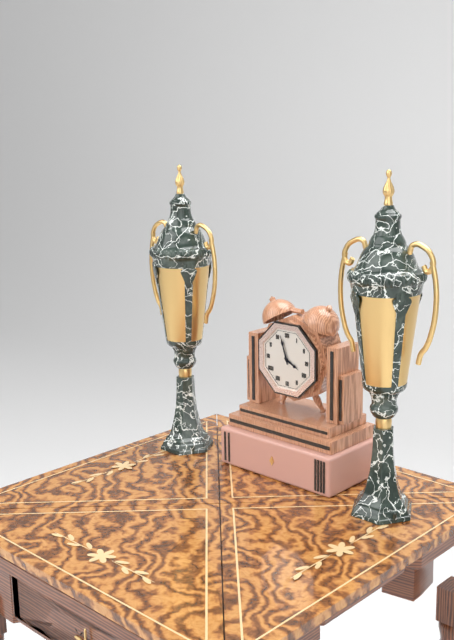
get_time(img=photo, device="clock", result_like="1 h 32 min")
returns 3 h 57 min
